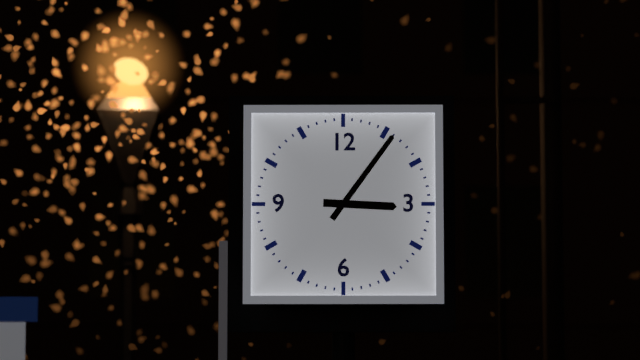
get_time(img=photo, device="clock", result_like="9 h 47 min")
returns 3 h 06 min
